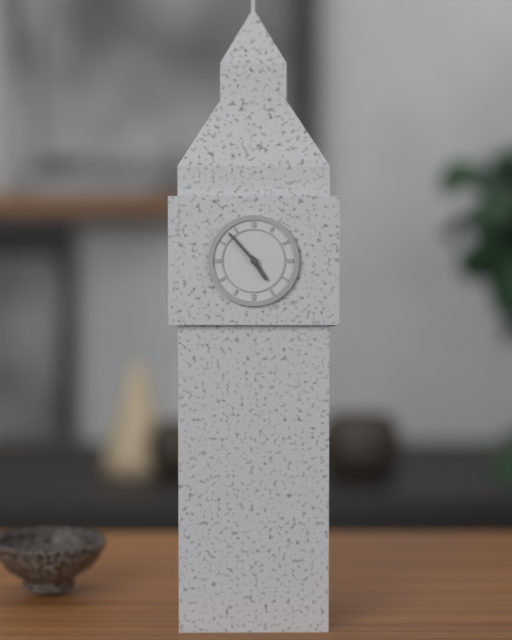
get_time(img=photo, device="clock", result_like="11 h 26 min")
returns 4 h 53 min
